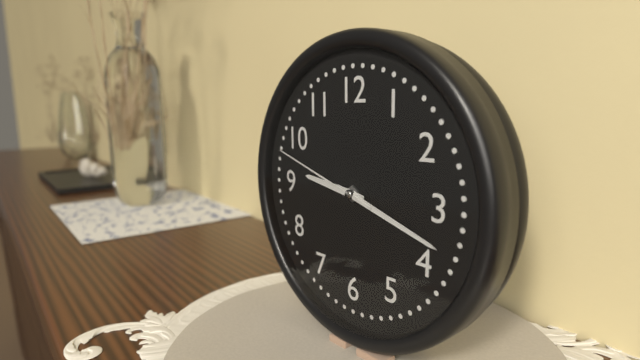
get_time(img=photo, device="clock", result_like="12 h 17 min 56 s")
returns 9 h 18 min 48 s
